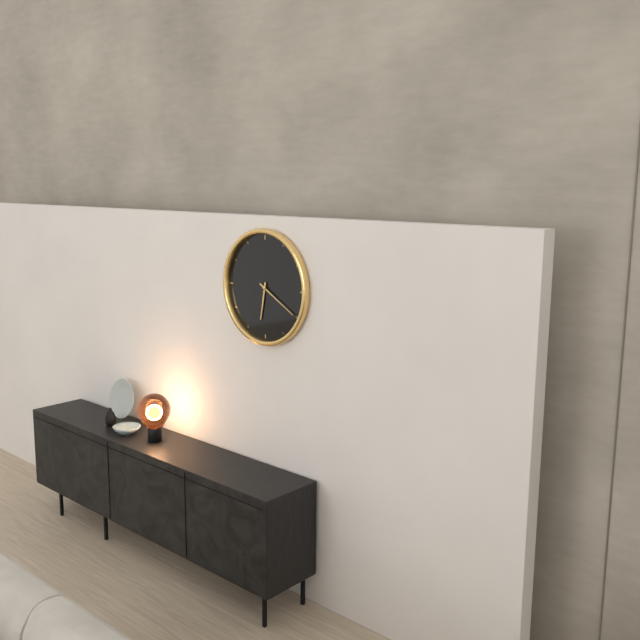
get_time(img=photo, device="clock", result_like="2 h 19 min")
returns 6 h 20 min
